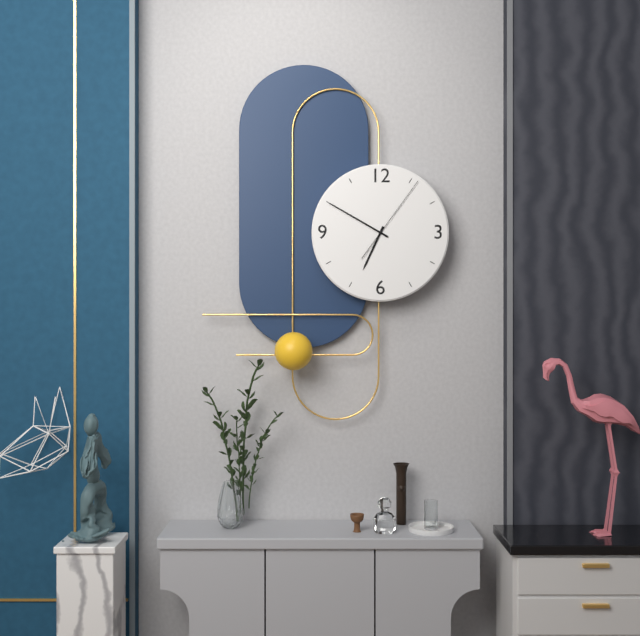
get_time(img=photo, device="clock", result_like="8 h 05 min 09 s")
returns 6 h 50 min 06 s
